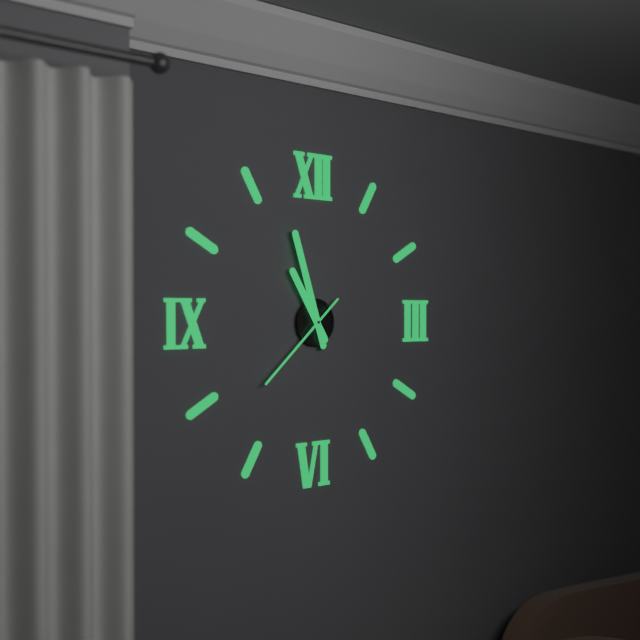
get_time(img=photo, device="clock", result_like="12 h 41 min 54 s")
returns 10 h 57 min 38 s
